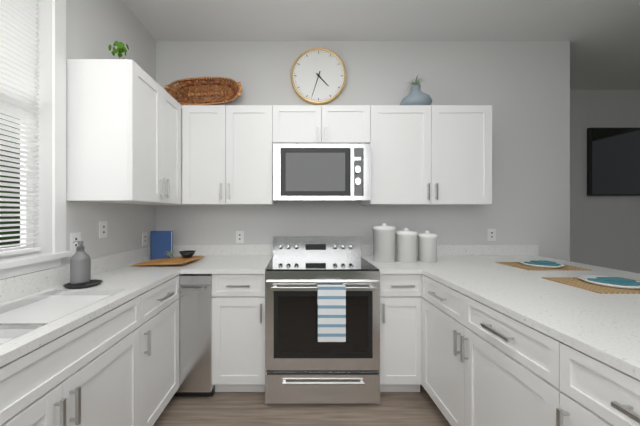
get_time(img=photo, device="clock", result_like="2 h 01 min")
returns 4 h 33 min
